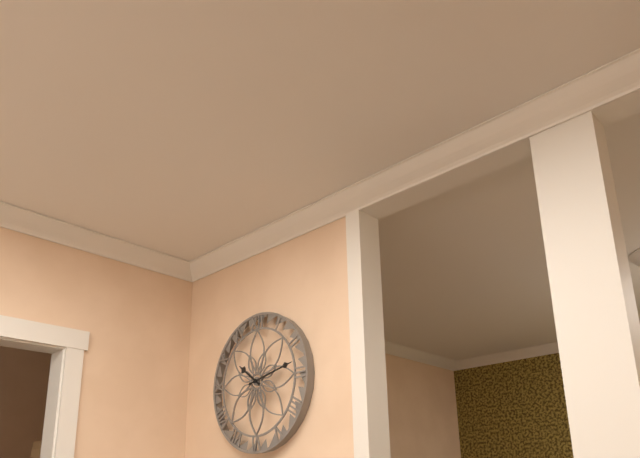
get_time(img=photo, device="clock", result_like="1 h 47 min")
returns 10 h 13 min
